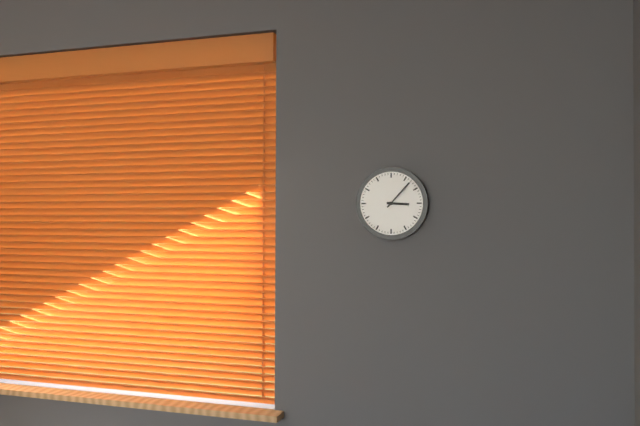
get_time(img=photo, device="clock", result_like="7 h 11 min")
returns 3 h 07 min
